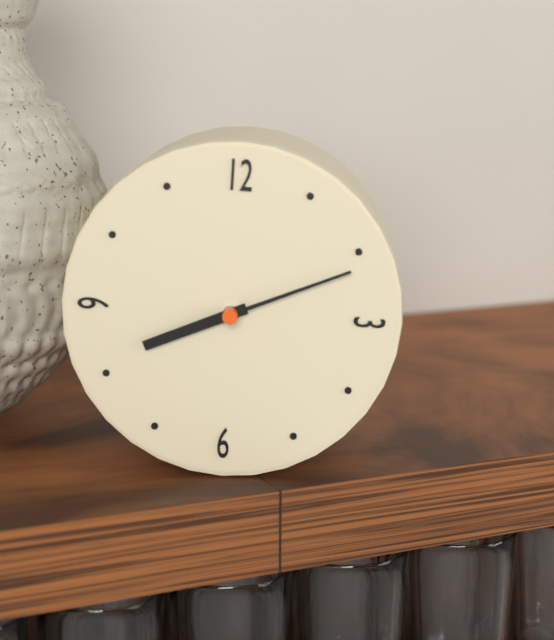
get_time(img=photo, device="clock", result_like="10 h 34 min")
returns 8 h 11 min
